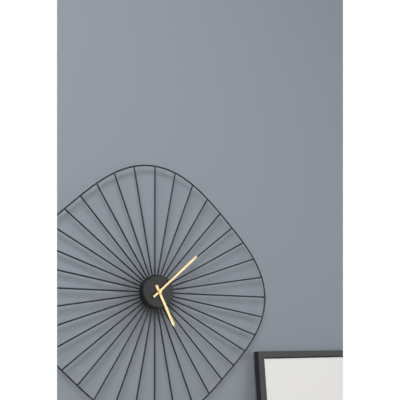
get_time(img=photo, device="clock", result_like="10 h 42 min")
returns 5 h 08 min
